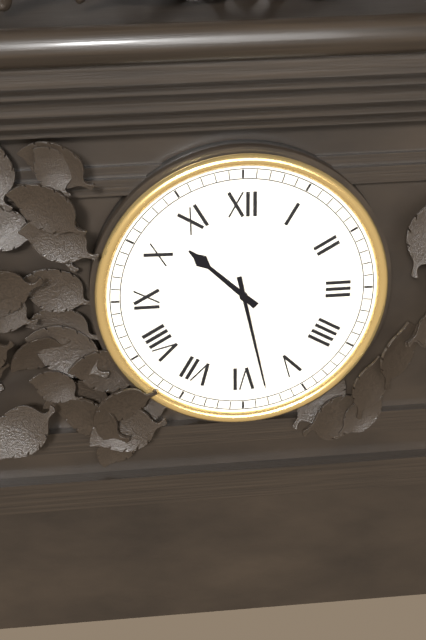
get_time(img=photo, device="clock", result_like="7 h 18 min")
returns 10 h 28 min
